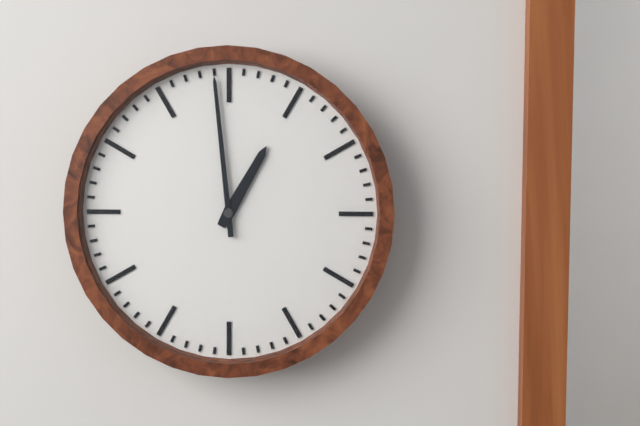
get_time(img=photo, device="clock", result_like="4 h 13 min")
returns 12 h 59 min
